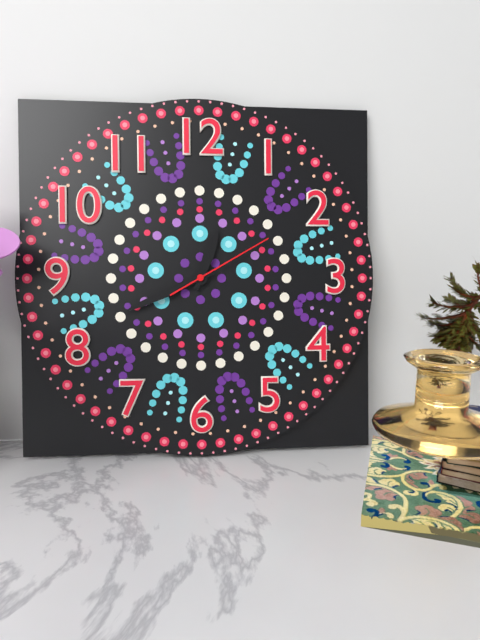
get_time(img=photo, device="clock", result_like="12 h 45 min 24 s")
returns 12 h 41 min 10 s
